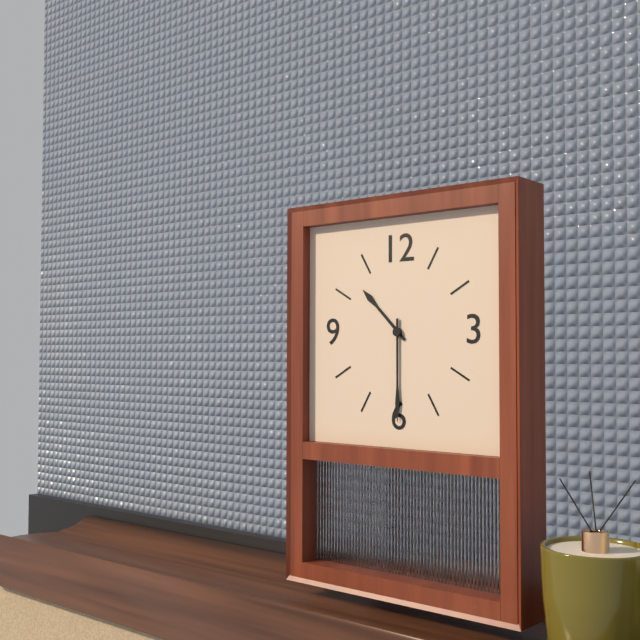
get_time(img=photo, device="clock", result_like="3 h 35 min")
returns 10 h 30 min
